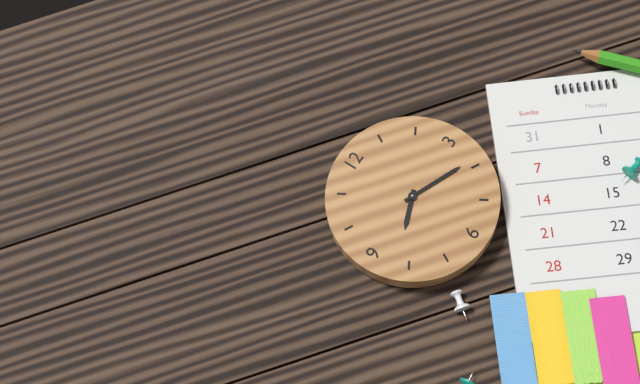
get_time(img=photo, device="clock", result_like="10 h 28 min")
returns 8 h 19 min
